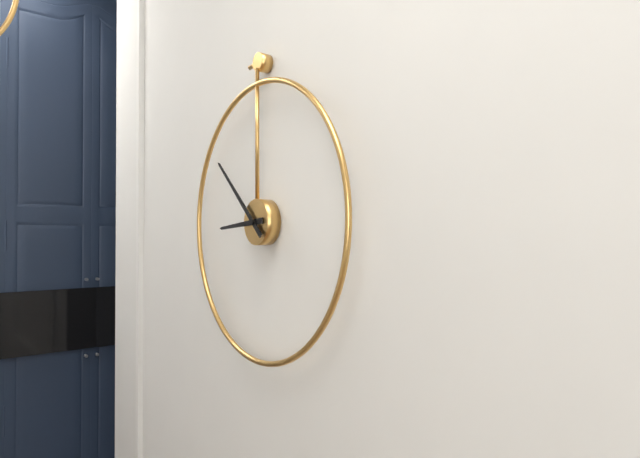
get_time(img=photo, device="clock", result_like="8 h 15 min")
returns 8 h 52 min
